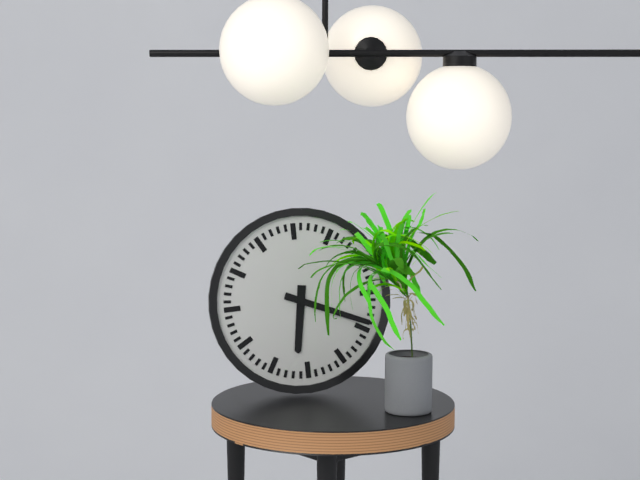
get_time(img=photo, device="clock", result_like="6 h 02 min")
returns 6 h 19 min
